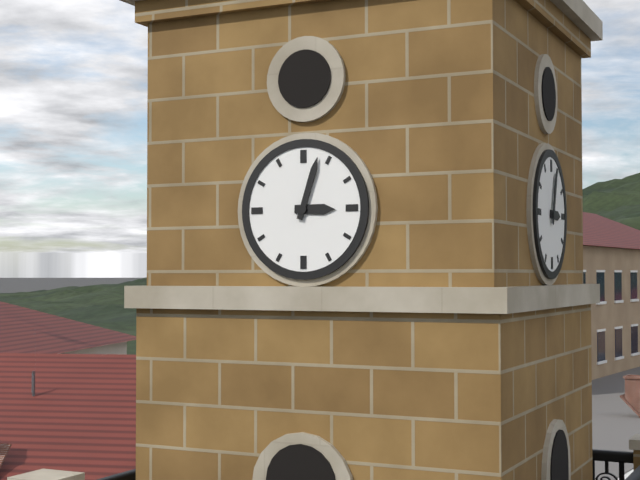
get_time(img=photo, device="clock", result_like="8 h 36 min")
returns 3 h 03 min
